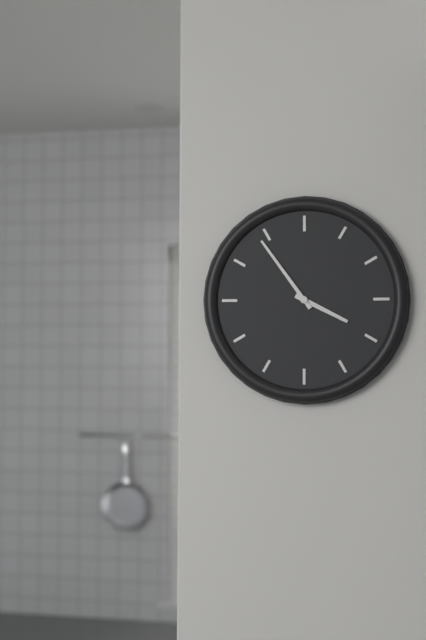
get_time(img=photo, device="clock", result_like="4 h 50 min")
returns 3 h 54 min
